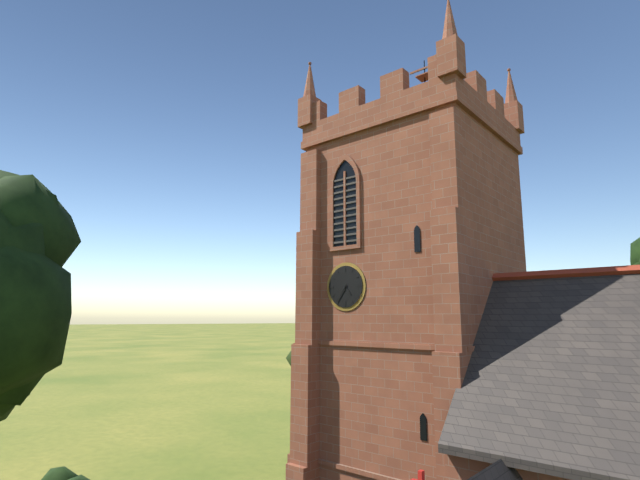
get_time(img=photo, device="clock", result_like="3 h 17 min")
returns 4 h 36 min
